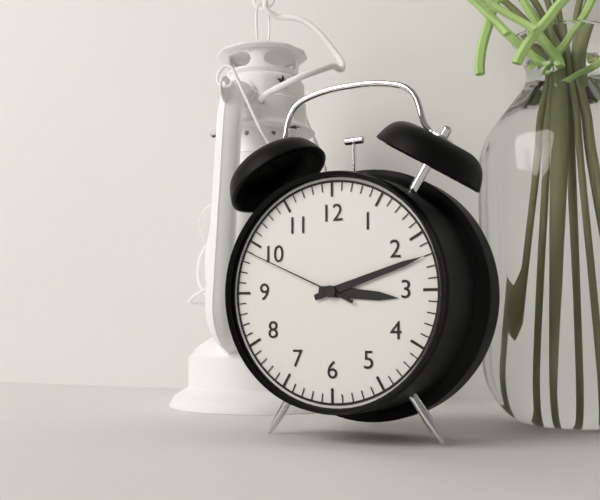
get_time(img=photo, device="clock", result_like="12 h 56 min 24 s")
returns 3 h 12 min 49 s
